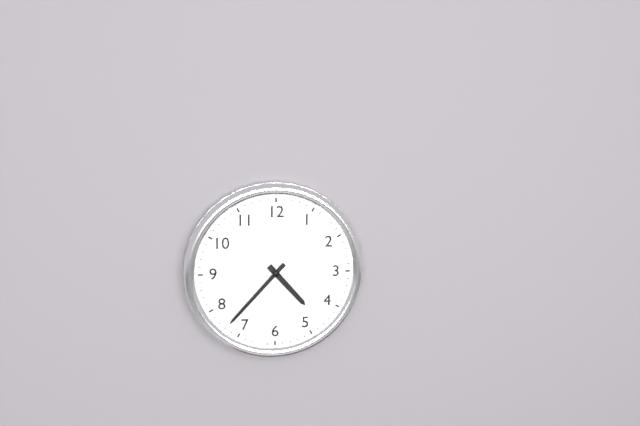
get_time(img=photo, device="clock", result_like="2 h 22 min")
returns 4 h 37 min
